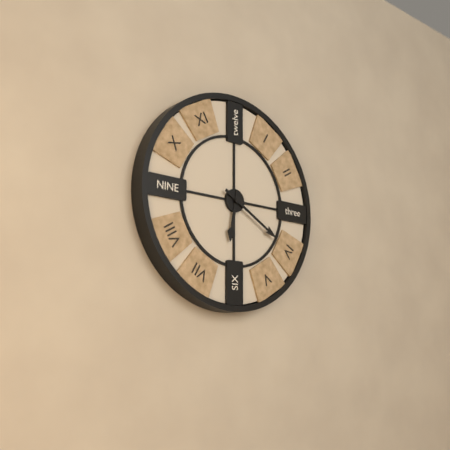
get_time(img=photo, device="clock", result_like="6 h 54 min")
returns 6 h 20 min
